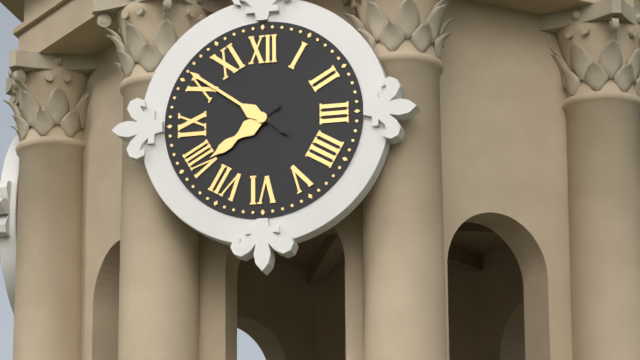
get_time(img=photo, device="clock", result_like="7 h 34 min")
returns 7 h 51 min
